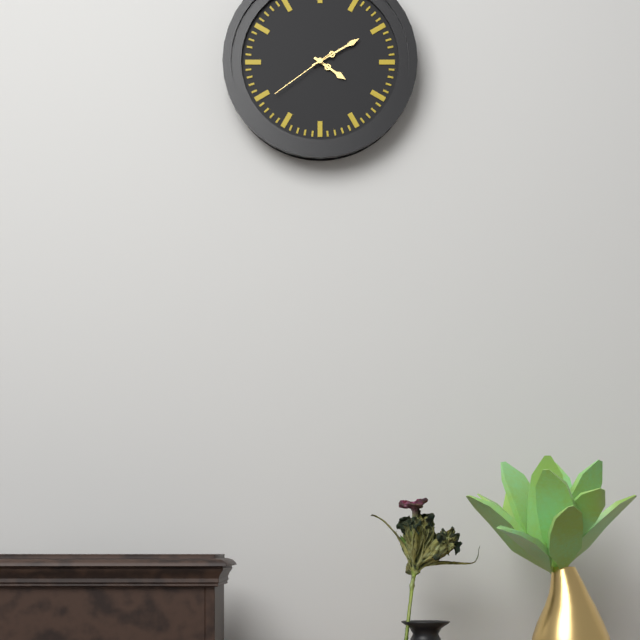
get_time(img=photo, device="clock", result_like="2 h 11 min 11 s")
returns 4 h 10 min 39 s
